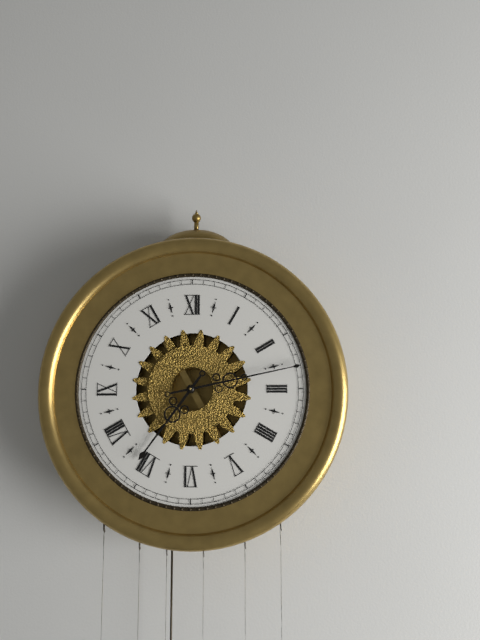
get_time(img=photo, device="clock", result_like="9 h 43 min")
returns 7 h 13 min
